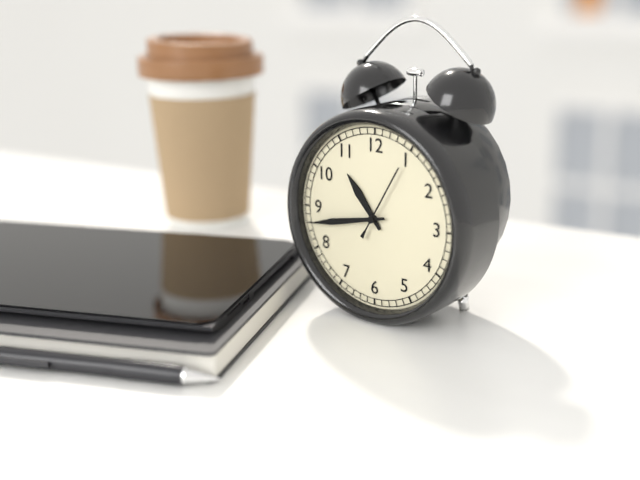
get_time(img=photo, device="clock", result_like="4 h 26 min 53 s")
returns 10 h 43 min 05 s
